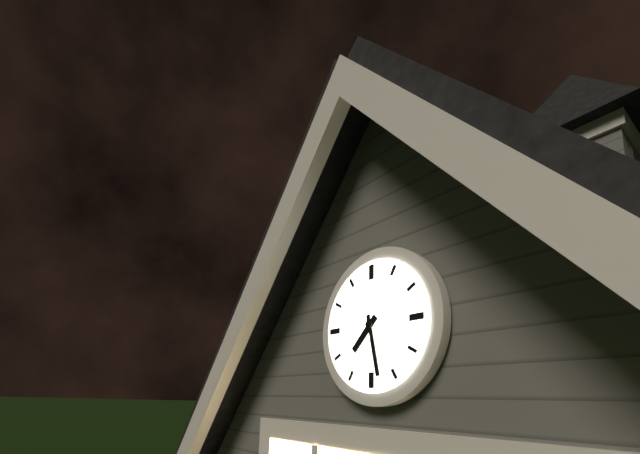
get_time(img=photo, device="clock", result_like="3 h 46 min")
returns 7 h 28 min
